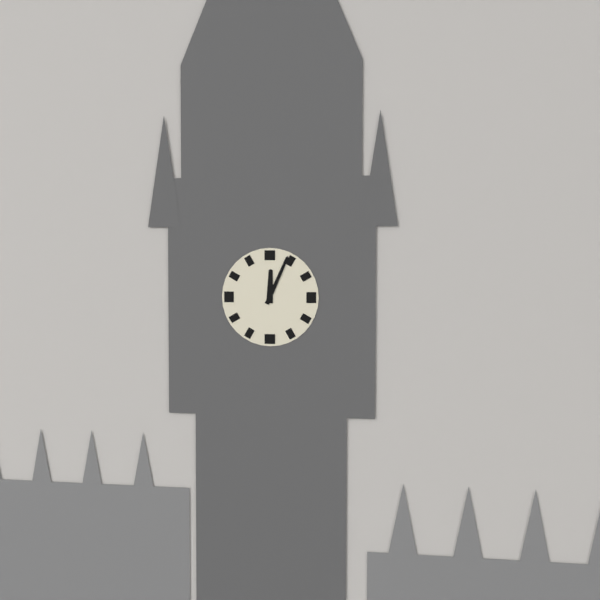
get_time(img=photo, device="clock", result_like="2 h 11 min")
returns 12 h 04 min
